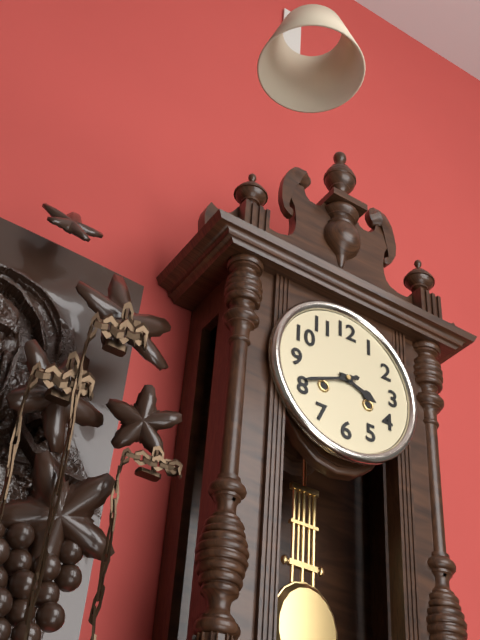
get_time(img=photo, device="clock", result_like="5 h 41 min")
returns 3 h 41 min
